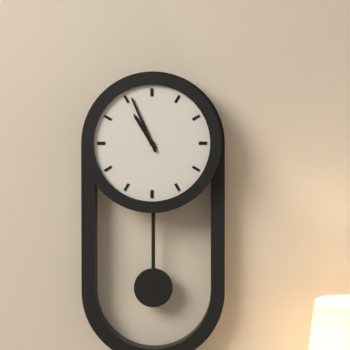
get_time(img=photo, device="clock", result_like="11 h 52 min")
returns 10 h 56 min
